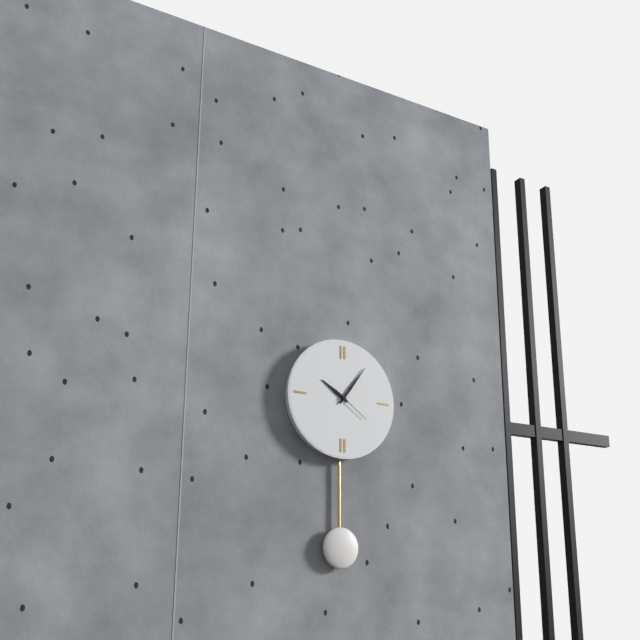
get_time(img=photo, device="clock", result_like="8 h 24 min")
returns 10 h 06 min
